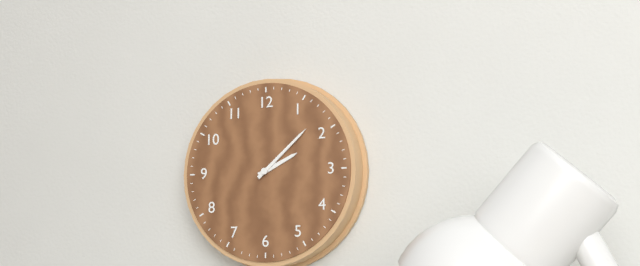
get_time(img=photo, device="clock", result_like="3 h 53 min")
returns 2 h 08 min
